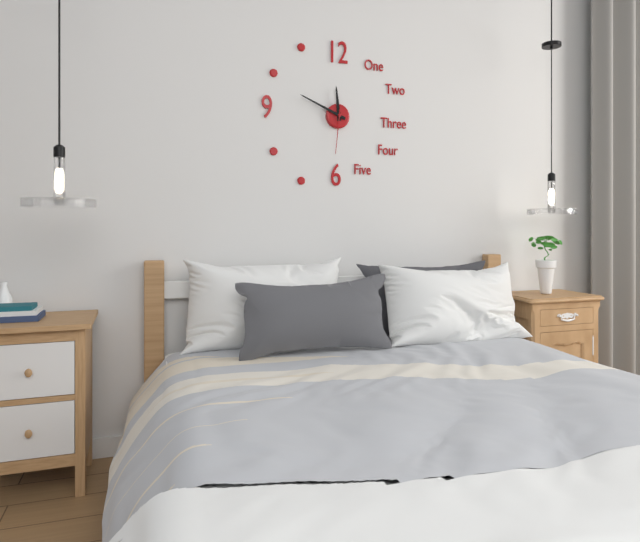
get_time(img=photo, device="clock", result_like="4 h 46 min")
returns 11 h 49 min
